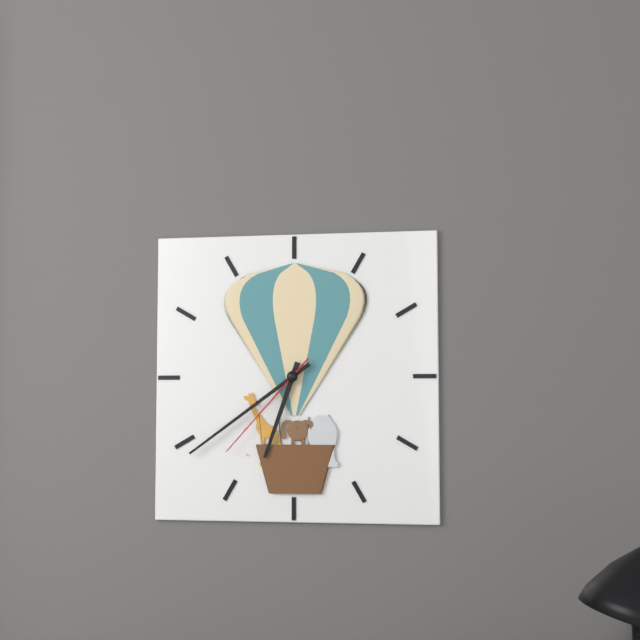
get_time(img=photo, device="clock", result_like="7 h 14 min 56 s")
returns 6 h 39 min 37 s
